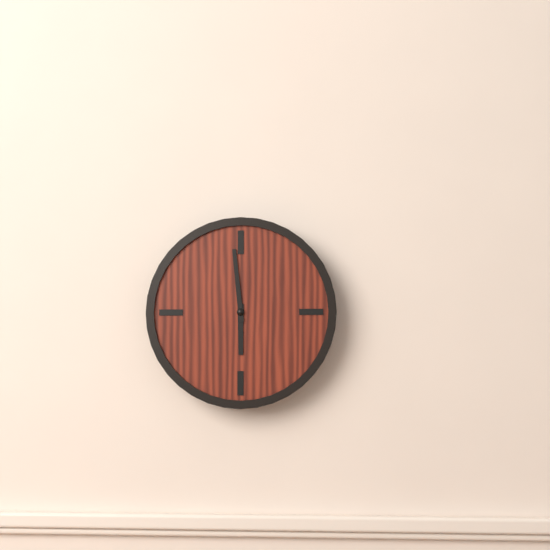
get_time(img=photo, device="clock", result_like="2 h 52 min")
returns 5 h 59 min
